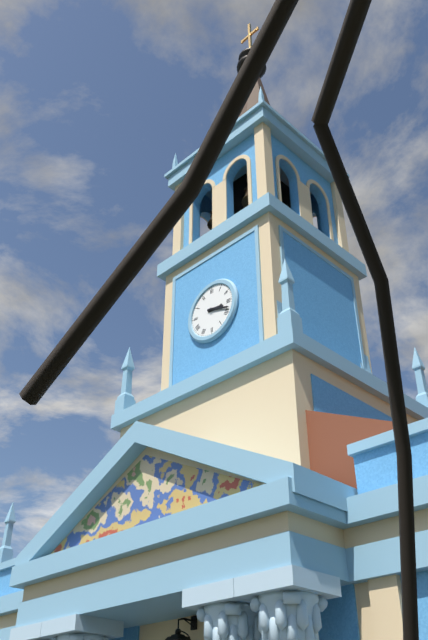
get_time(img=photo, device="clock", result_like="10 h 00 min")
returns 3 h 18 min
